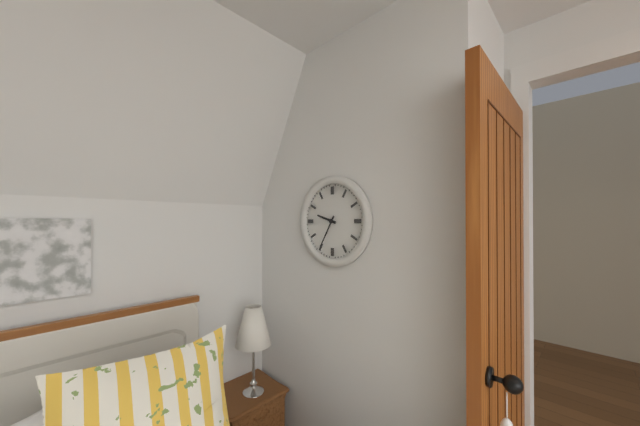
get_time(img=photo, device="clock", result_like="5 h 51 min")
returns 9 h 35 min
